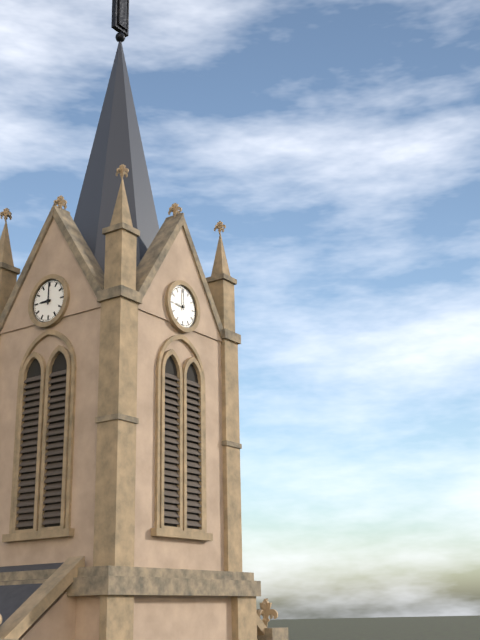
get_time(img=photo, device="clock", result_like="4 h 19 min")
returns 9 h 00 min
